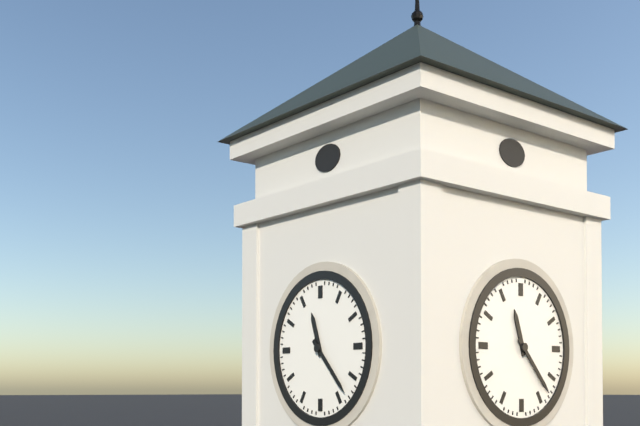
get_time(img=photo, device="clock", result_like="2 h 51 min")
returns 11 h 23 min
